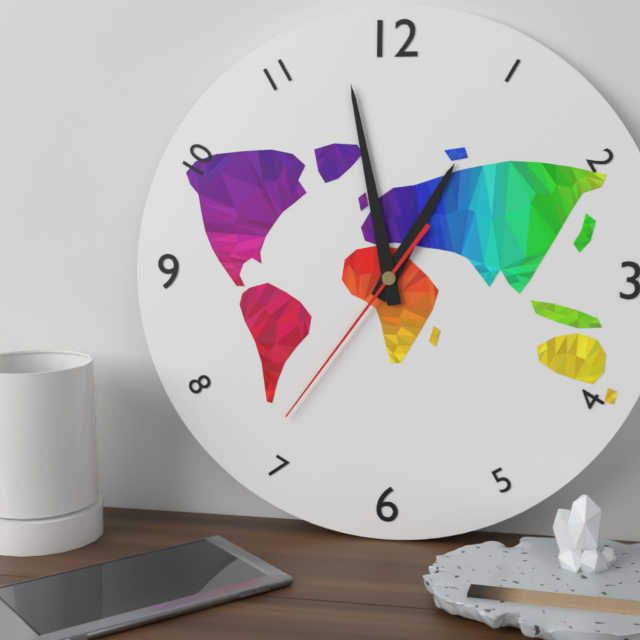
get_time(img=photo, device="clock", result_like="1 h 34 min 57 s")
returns 12 h 58 min 36 s
